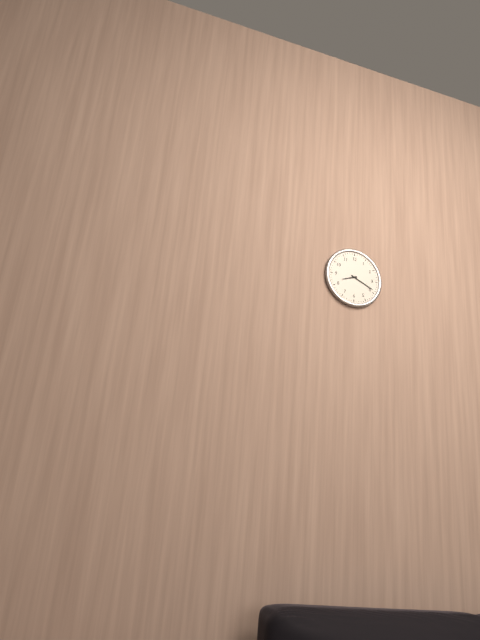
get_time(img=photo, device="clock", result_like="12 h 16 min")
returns 8 h 19 min
